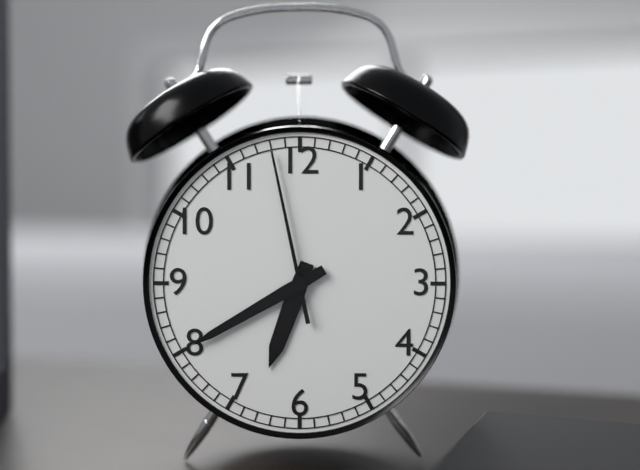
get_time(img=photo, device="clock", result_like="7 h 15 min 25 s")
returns 6 h 40 min 58 s
